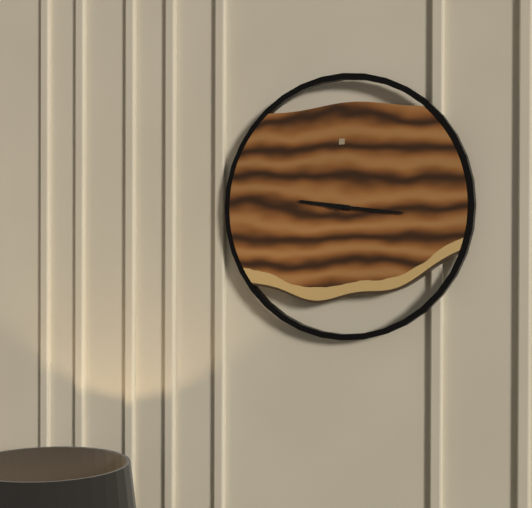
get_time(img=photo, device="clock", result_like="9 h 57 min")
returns 9 h 16 min
